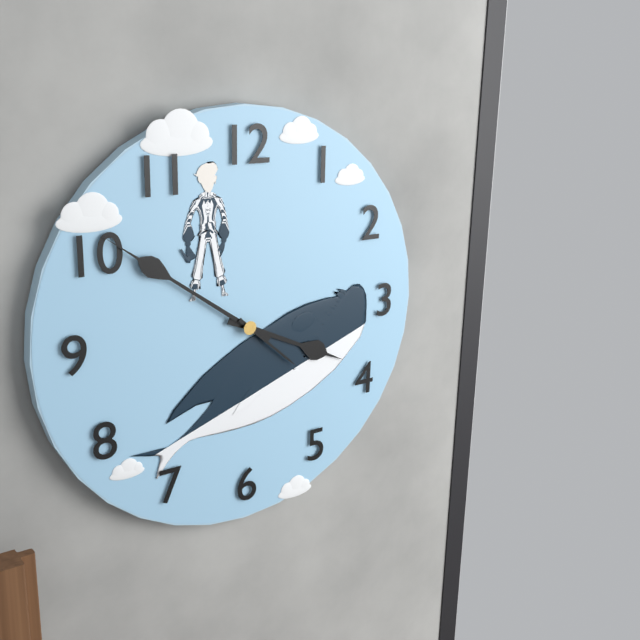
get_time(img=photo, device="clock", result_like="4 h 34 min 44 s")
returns 3 h 51 min 22 s
